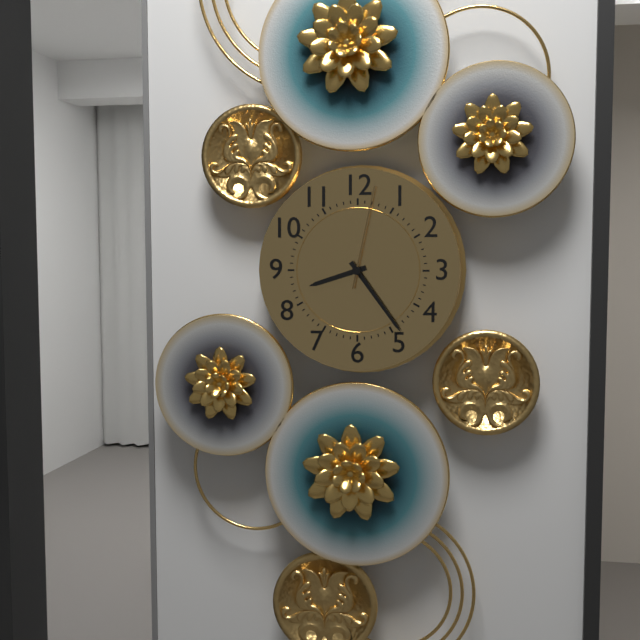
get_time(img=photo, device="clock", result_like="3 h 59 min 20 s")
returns 8 h 24 min 02 s
